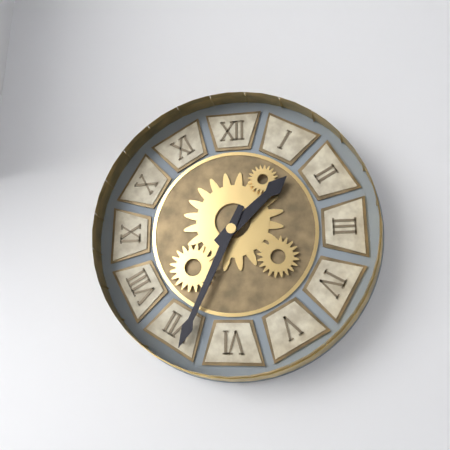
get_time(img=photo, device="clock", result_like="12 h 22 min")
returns 1 h 34 min
